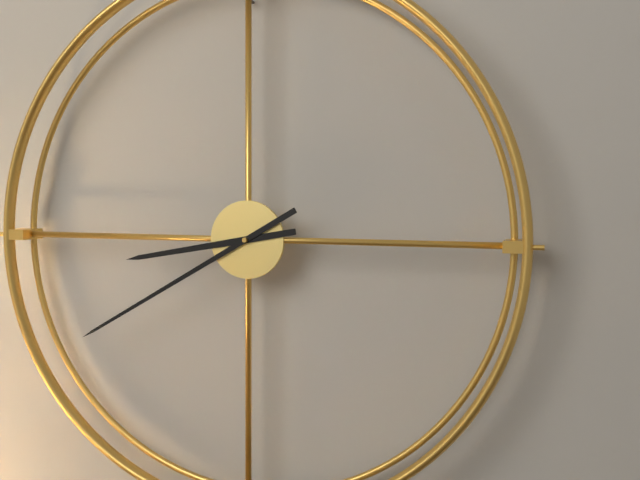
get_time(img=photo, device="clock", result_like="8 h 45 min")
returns 8 h 40 min
